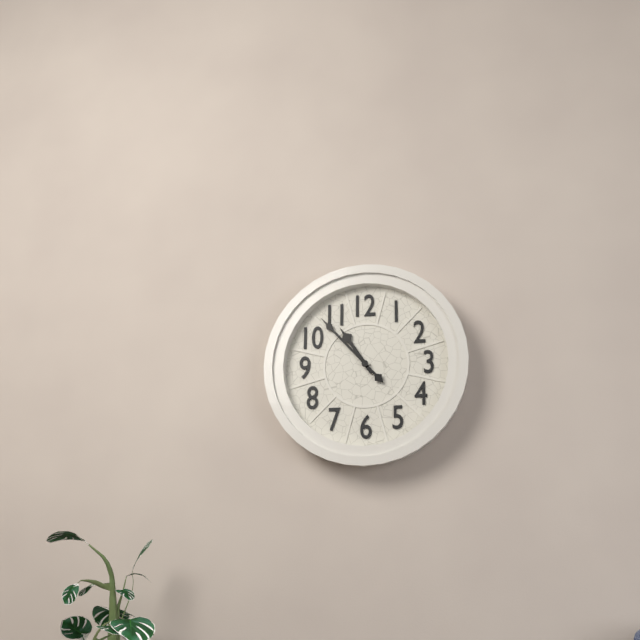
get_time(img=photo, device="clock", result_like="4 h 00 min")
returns 10 h 53 min
